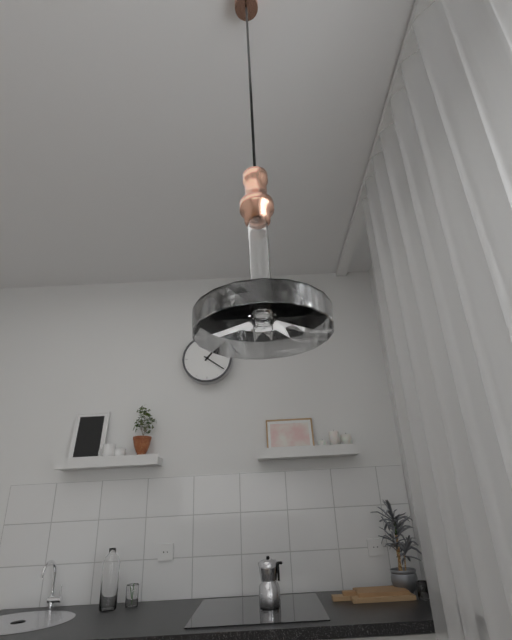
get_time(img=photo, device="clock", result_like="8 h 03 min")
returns 1 h 21 min
